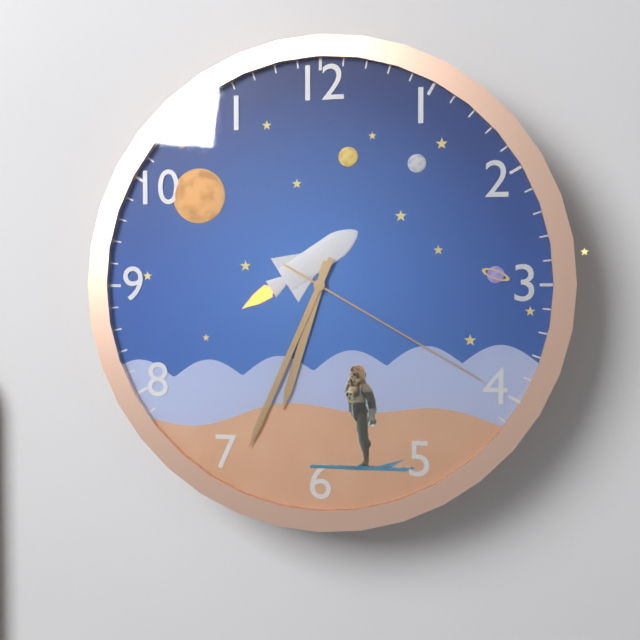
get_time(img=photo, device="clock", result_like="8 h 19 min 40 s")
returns 6 h 34 min 20 s
